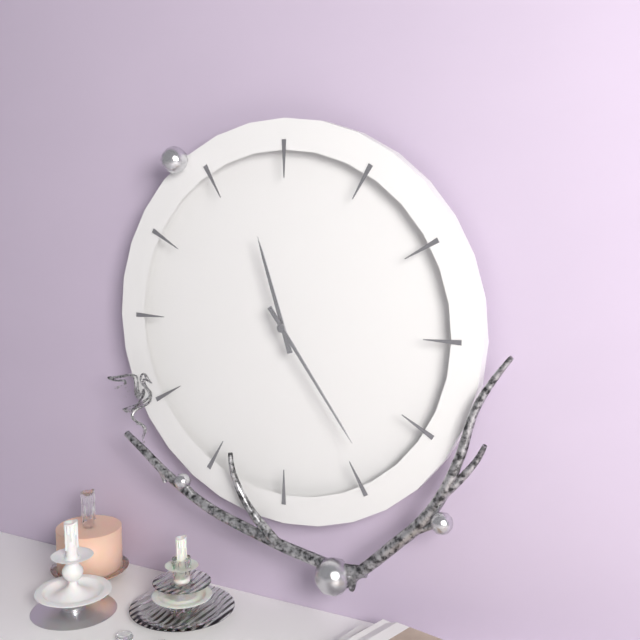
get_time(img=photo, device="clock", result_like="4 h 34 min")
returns 11 h 24 min
